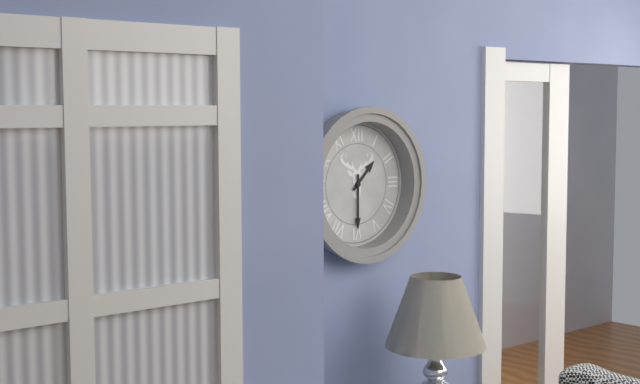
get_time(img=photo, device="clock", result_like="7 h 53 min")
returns 1 h 30 min
